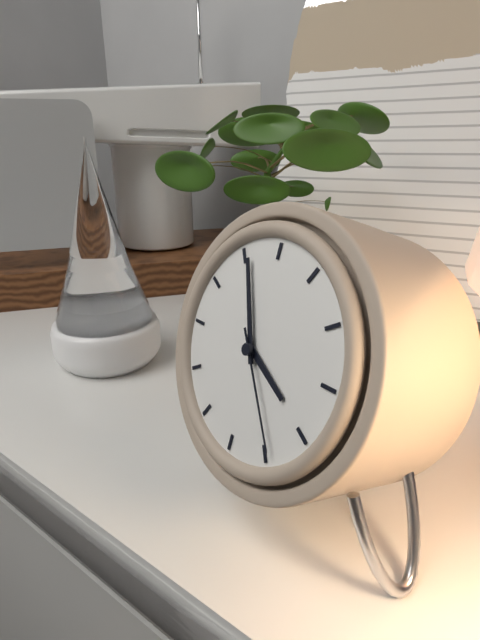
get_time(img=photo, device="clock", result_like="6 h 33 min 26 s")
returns 3 h 56 min 24 s
